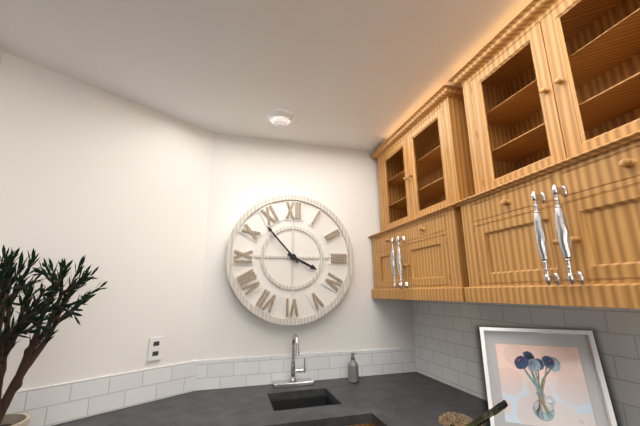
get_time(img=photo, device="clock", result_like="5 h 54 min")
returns 3 h 53 min
